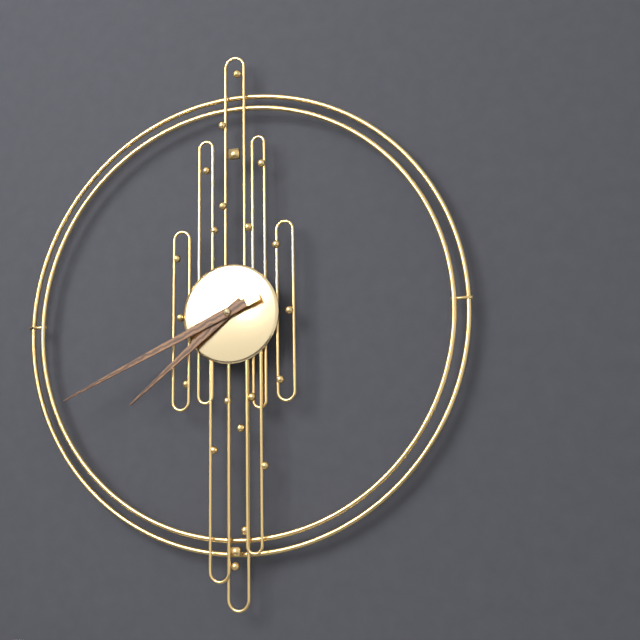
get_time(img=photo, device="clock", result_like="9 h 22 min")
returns 7 h 41 min
